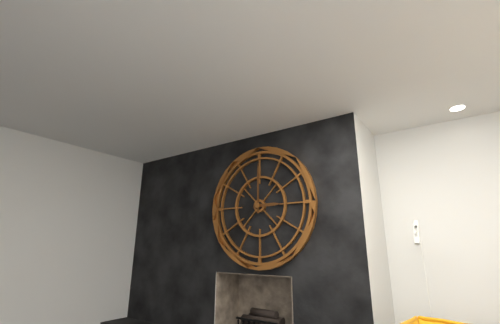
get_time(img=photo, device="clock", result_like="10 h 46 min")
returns 3 h 00 min
